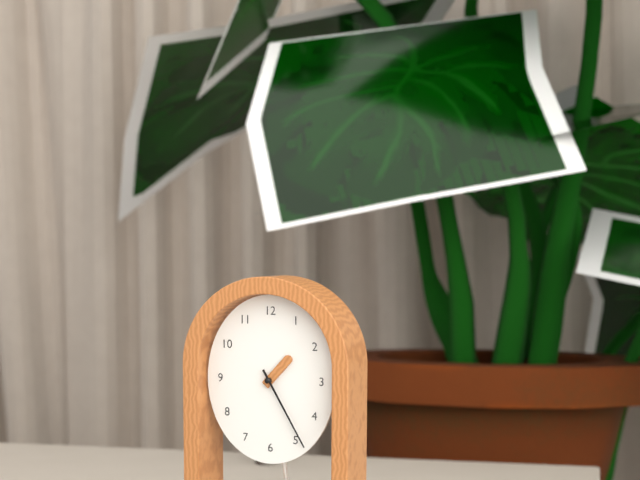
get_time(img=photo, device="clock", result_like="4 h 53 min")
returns 1 h 25 min
